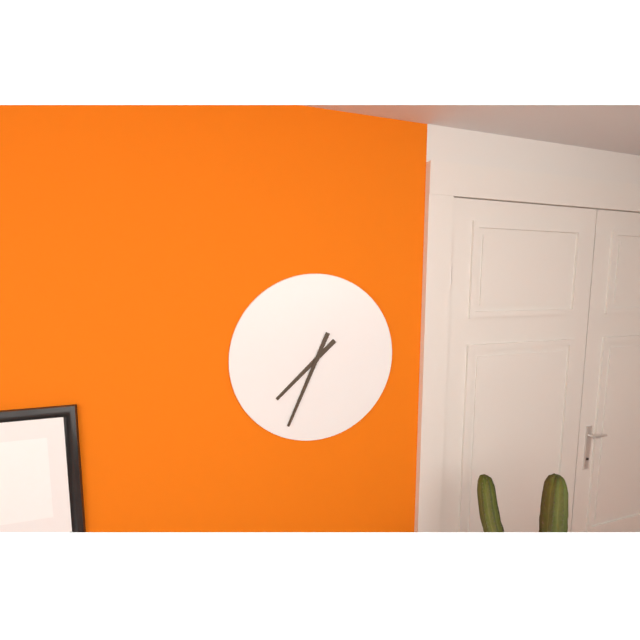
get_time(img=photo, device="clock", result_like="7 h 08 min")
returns 7 h 34 min
